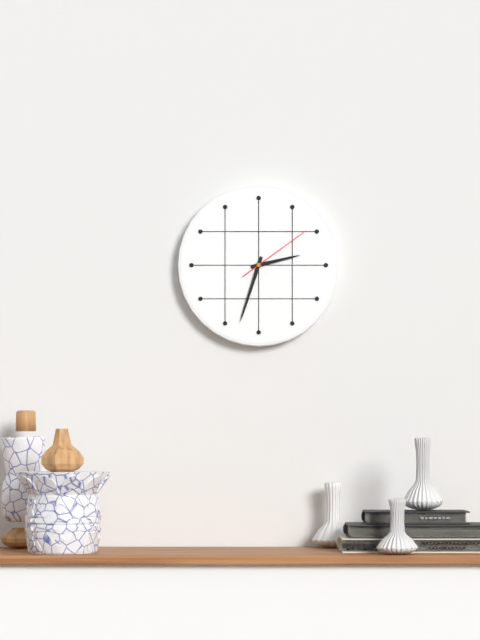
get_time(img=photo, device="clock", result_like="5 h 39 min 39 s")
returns 2 h 33 min 09 s
